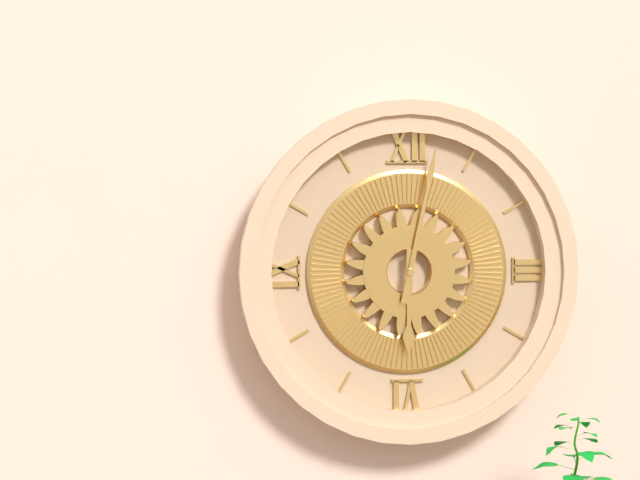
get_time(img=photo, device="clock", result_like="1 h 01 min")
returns 6 h 02 min
